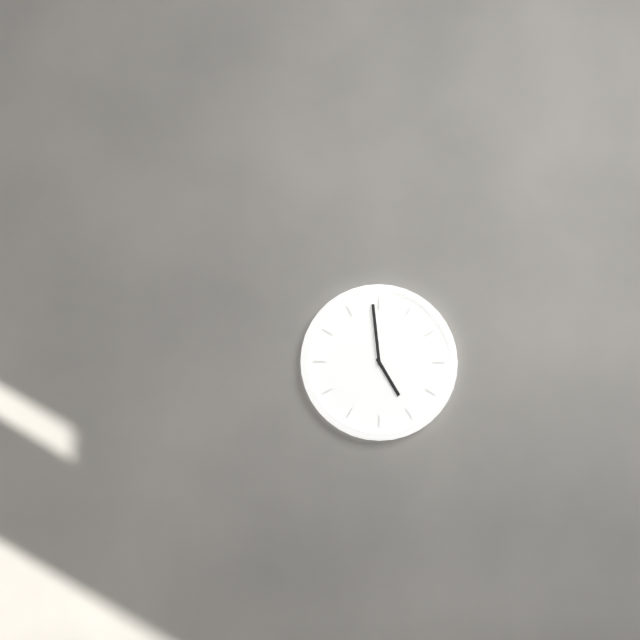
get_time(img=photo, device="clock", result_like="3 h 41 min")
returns 4 h 59 min
